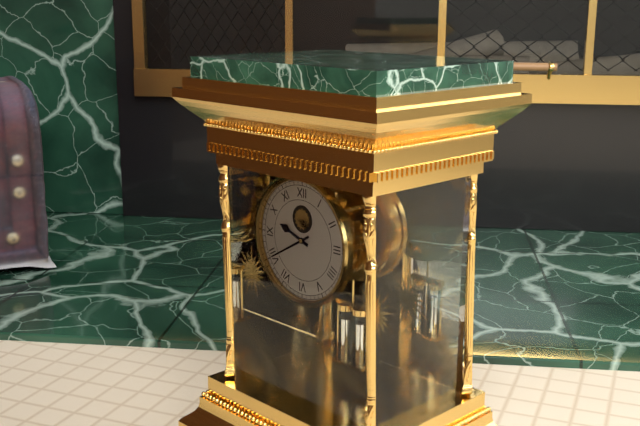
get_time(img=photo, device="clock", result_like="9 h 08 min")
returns 9 h 40 min
